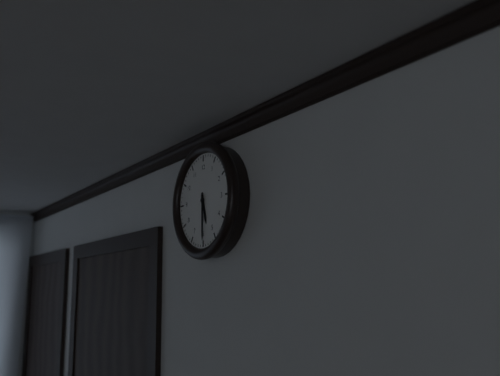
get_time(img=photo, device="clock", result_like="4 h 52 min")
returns 5 h 30 min
